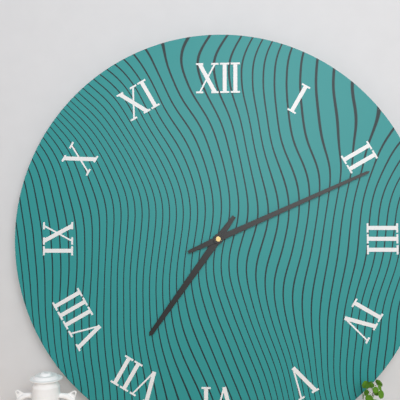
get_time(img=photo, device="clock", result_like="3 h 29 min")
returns 7 h 11 min
